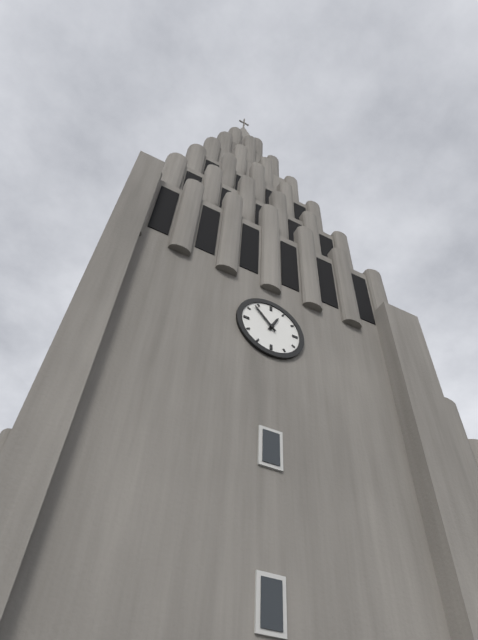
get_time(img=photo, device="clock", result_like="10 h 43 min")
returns 12 h 53 min
